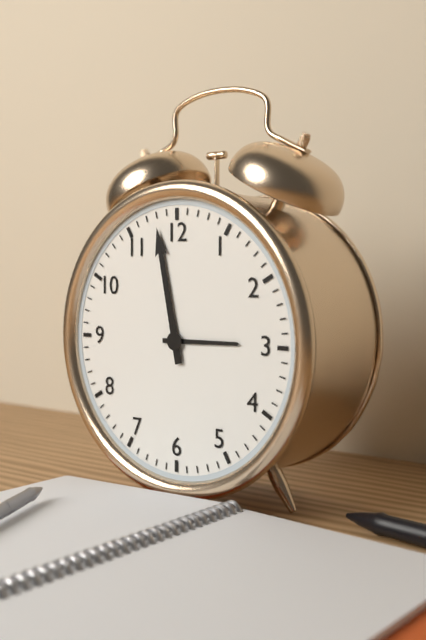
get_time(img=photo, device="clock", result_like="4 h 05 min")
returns 2 h 58 min
